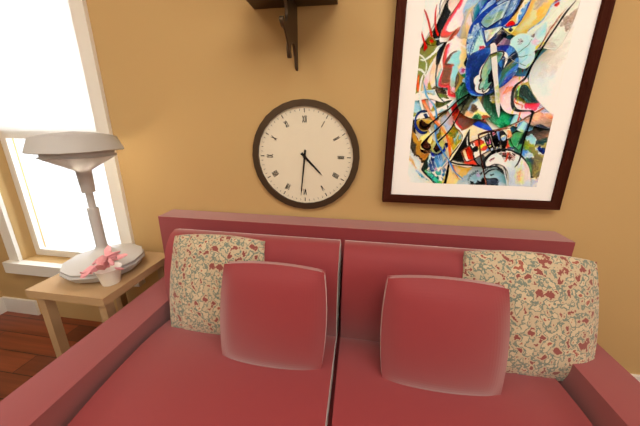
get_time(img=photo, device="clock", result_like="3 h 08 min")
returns 4 h 31 min
